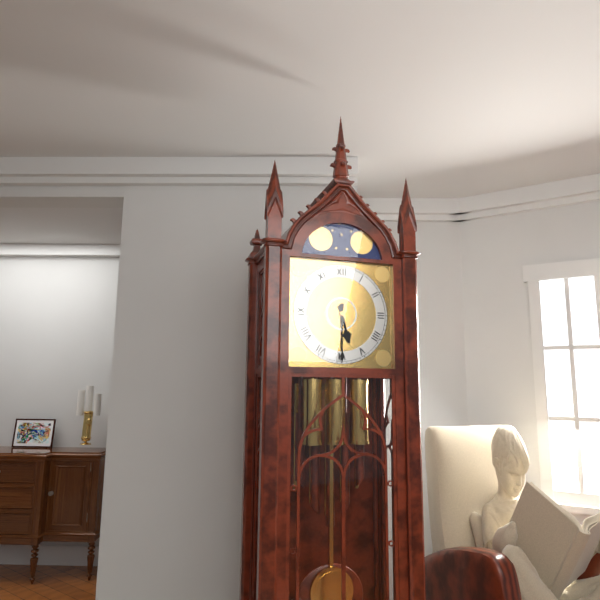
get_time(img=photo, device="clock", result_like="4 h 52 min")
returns 5 h 30 min
